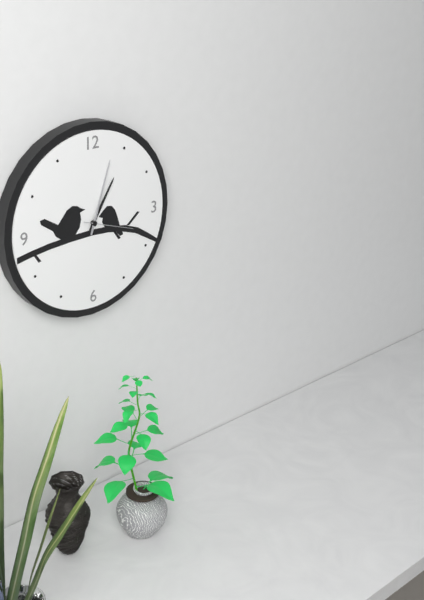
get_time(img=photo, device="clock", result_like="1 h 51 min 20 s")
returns 1 h 03 min 18 s
